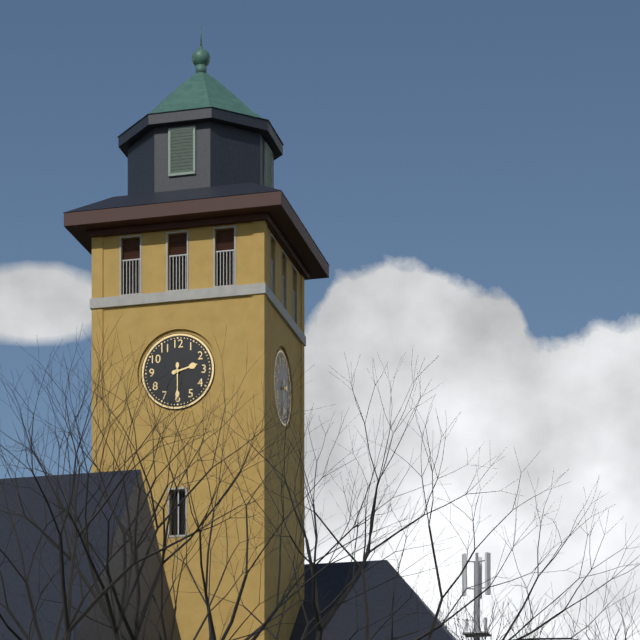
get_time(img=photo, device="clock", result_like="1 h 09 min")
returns 2 h 30 min
